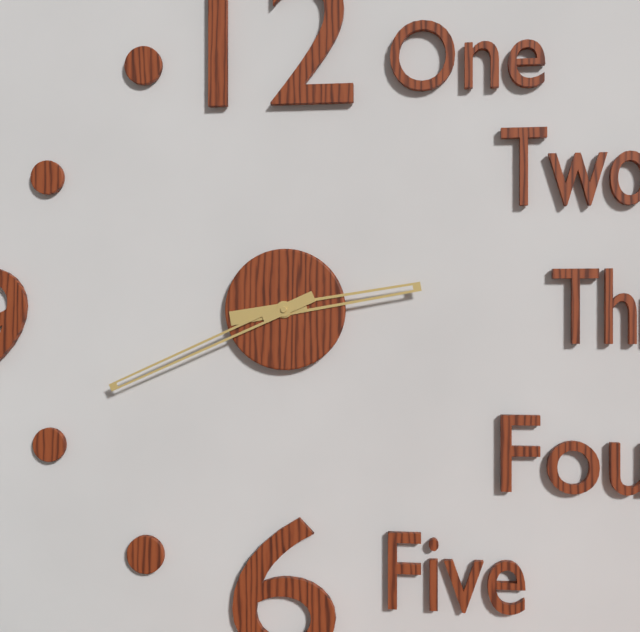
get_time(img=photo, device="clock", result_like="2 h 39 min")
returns 2 h 41 min
